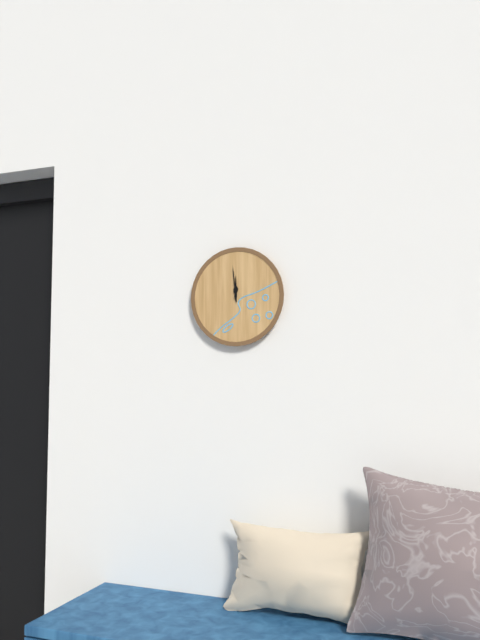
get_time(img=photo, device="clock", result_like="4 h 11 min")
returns 11 h 59 min
